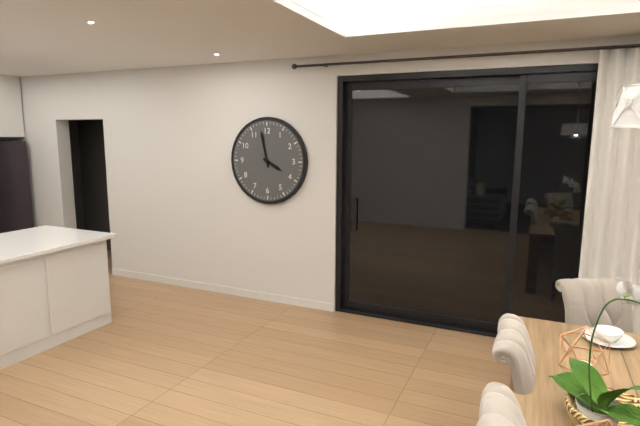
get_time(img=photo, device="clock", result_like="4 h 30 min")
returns 3 h 58 min
